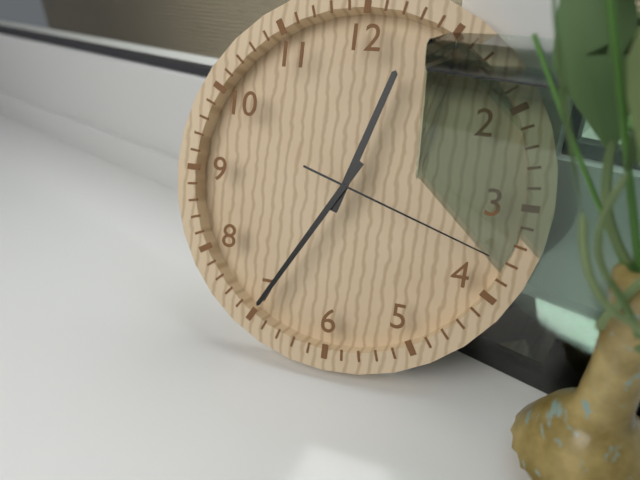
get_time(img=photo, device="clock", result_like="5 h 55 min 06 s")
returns 12 h 35 min 18 s
